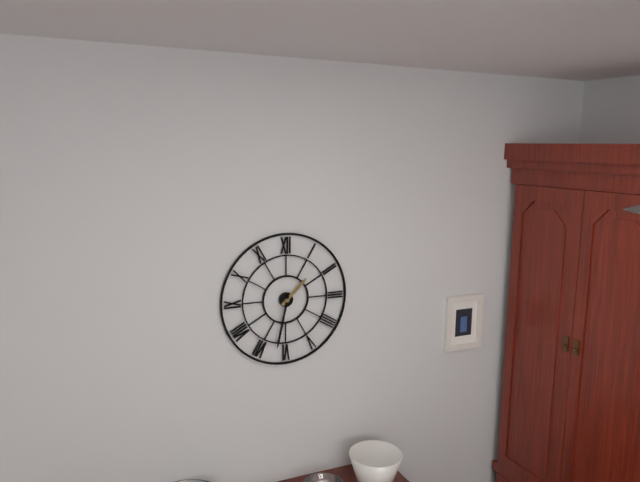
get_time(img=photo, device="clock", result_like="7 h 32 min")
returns 1 h 32 min
